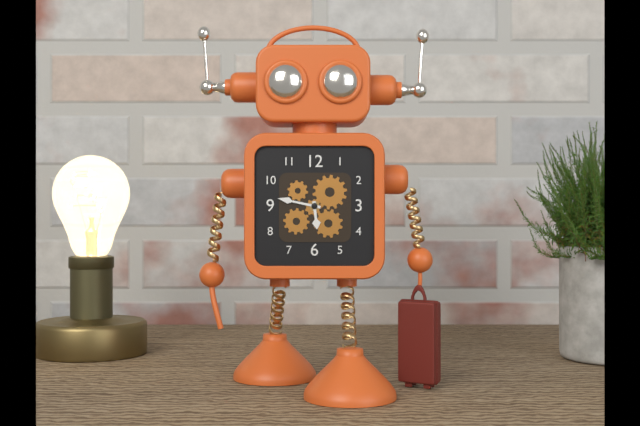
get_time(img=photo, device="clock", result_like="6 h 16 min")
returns 5 h 47 min
